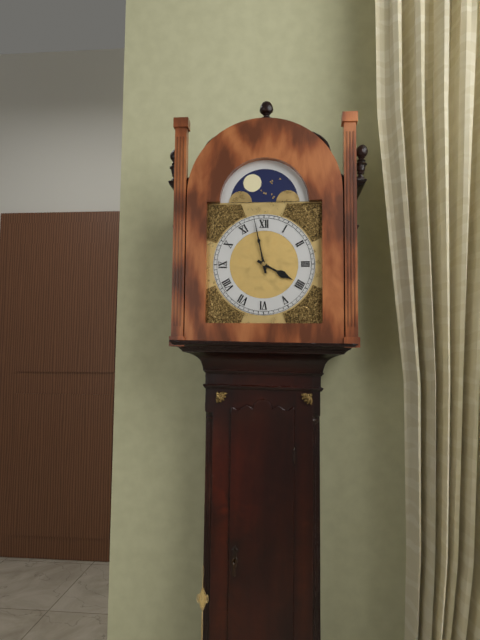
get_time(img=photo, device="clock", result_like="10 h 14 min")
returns 3 h 58 min
